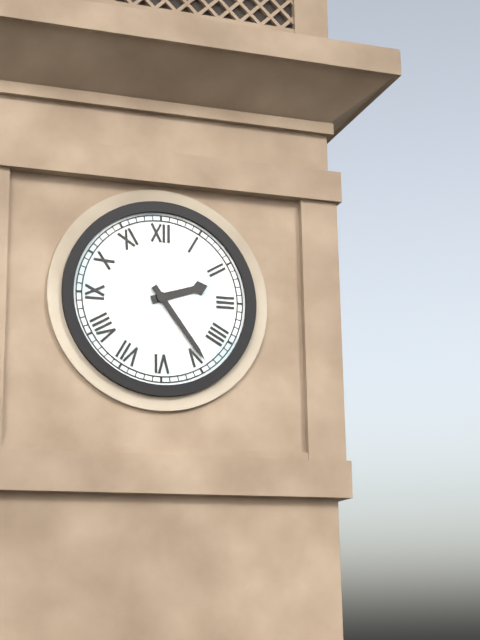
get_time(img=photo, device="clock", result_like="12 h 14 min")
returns 2 h 24 min
